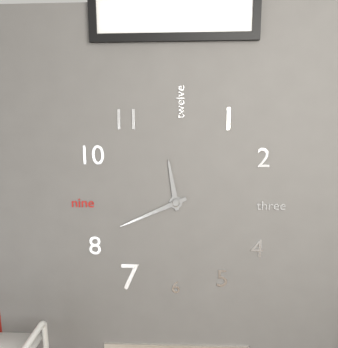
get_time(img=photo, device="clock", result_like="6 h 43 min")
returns 11 h 41 min
